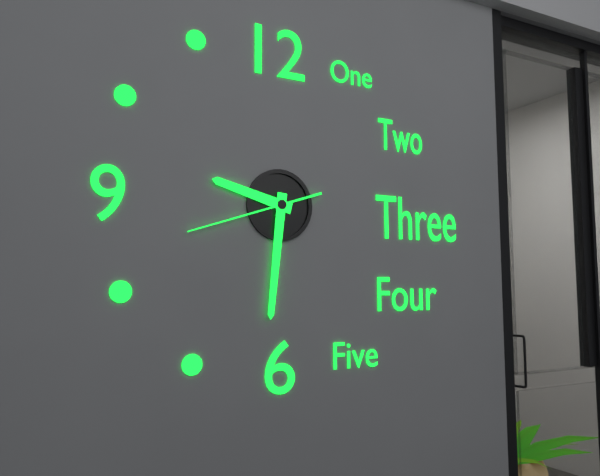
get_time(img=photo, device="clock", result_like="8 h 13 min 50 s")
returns 9 h 31 min 42 s
